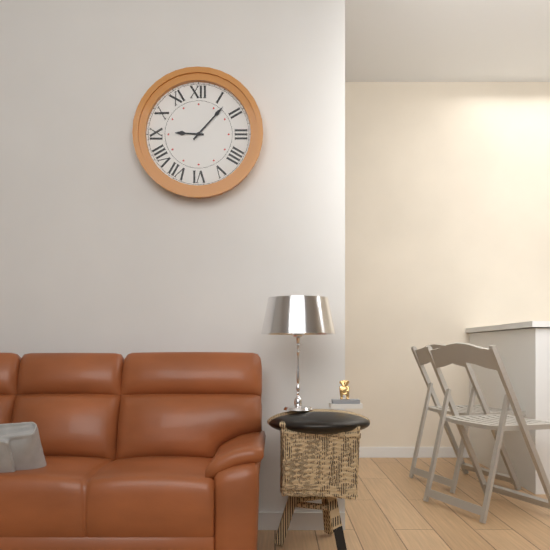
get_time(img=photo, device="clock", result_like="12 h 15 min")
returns 9 h 07 min
